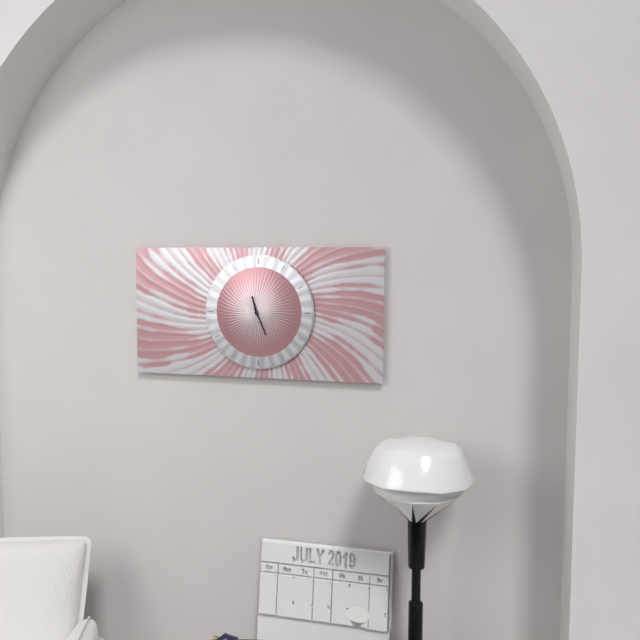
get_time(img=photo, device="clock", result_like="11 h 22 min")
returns 11 h 26 min
